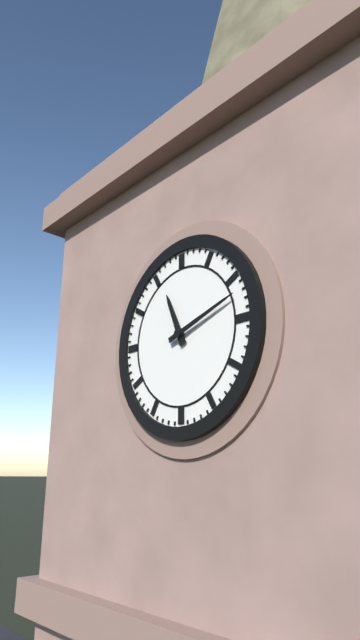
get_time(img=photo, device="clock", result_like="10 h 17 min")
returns 11 h 12 min
